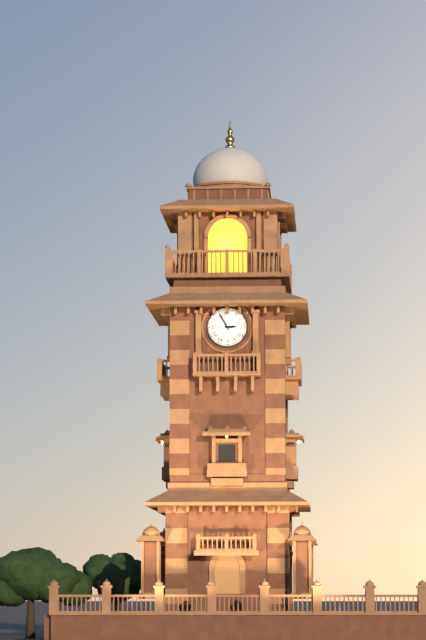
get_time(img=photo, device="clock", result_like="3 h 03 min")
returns 2 h 55 min
